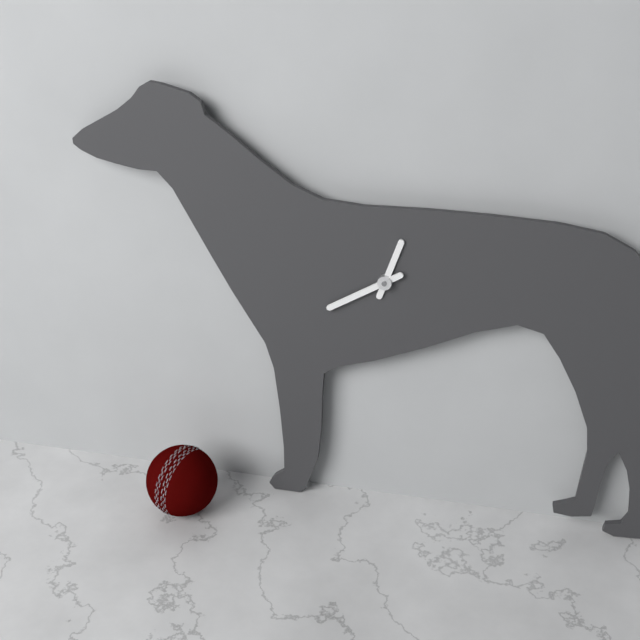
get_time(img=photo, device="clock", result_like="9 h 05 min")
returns 12 h 40 min
